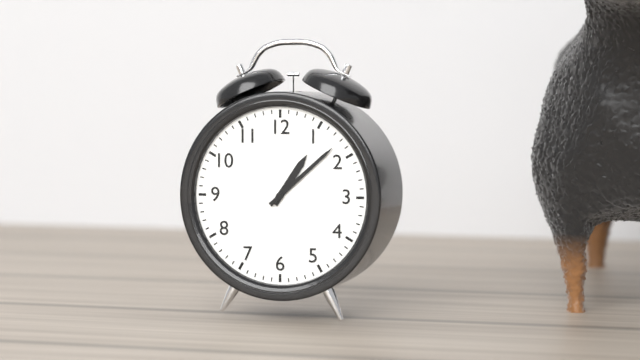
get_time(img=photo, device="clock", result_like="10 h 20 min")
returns 1 h 08 min
